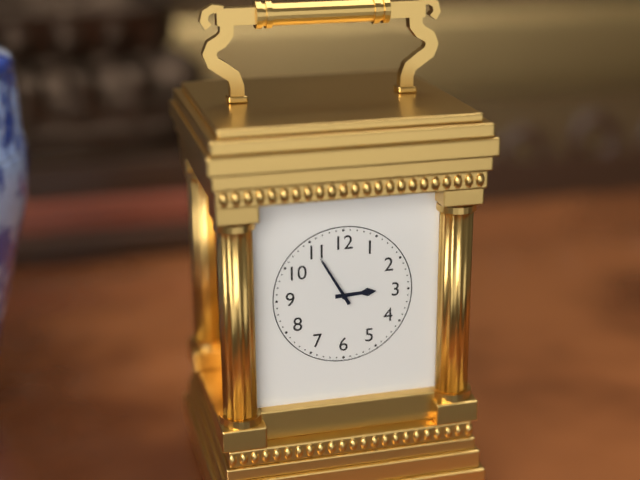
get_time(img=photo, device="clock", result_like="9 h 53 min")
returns 2 h 55 min
